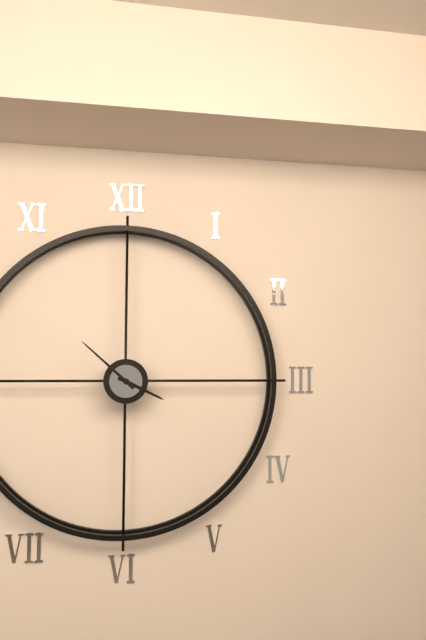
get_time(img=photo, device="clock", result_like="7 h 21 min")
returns 3 h 52 min
